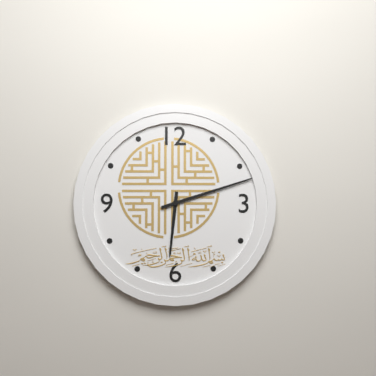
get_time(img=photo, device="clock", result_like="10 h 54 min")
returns 6 h 12 min
